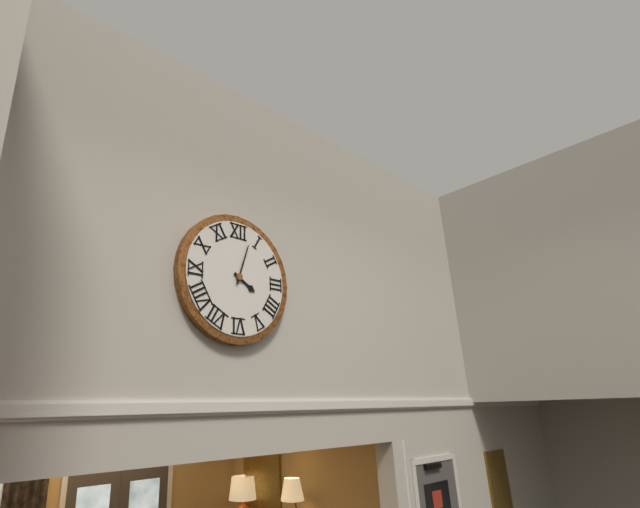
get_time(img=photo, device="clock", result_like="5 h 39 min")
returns 4 h 03 min
